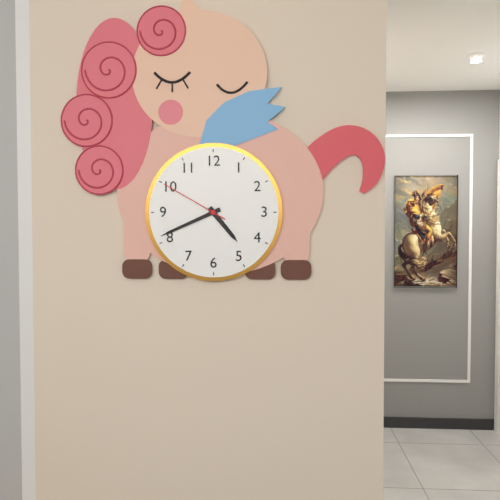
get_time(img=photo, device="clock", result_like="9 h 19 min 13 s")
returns 4 h 41 min 50 s
